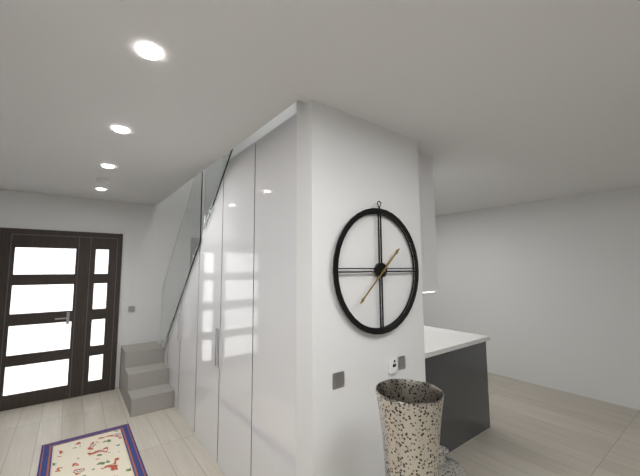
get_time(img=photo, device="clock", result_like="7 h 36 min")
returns 1 h 38 min
